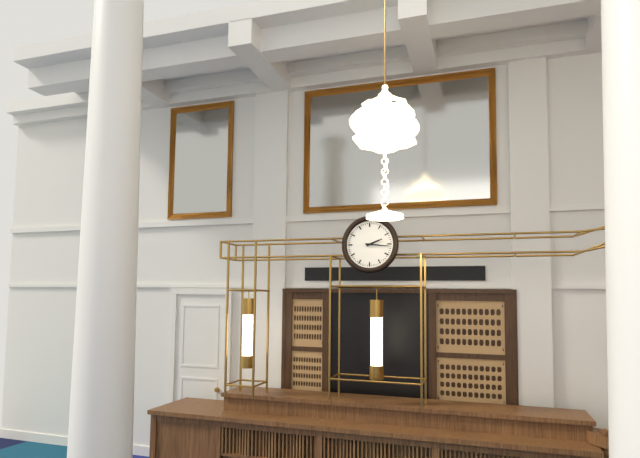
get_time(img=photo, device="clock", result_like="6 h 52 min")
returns 2 h 16 min
